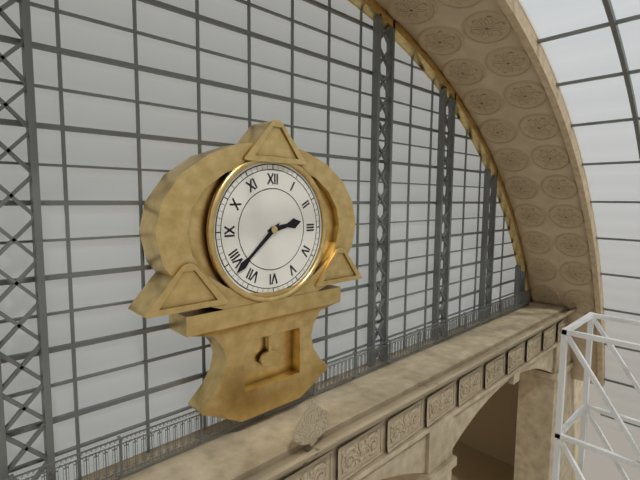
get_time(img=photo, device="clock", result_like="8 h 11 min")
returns 2 h 38 min
